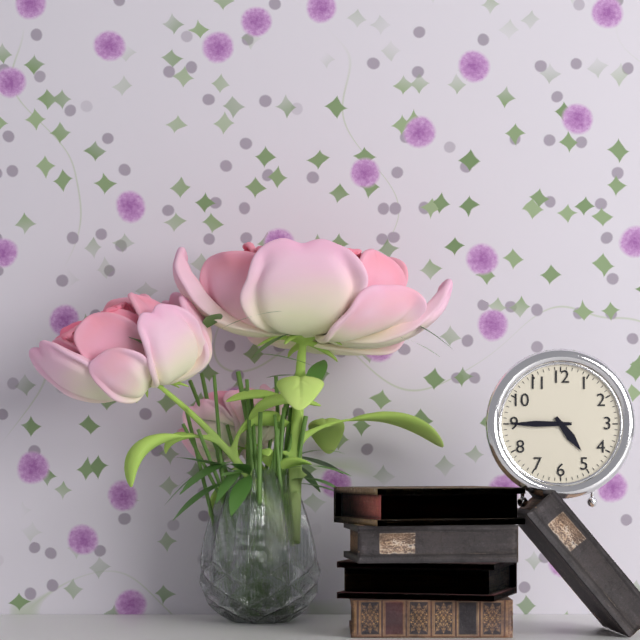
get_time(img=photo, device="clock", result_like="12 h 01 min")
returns 4 h 45 min
